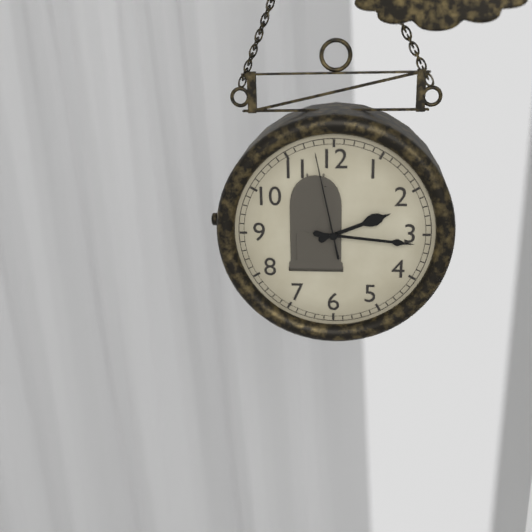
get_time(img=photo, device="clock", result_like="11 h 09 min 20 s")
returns 2 h 16 min 58 s
